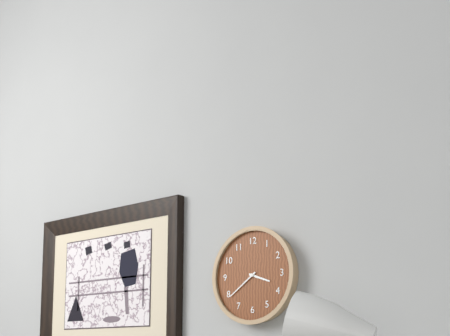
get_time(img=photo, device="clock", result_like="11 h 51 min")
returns 3 h 39 min
